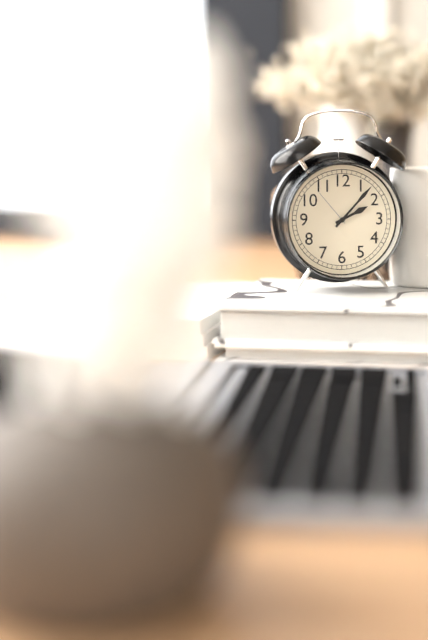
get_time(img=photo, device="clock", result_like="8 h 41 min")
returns 2 h 07 min
